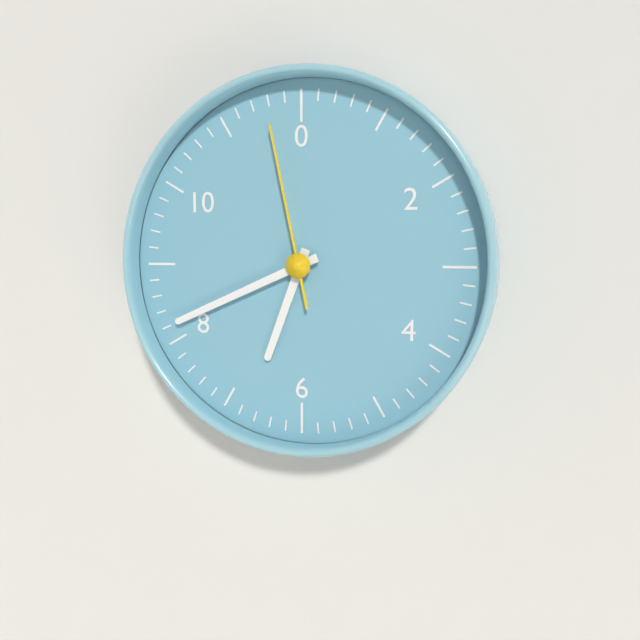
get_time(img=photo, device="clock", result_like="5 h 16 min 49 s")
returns 6 h 41 min 58 s
